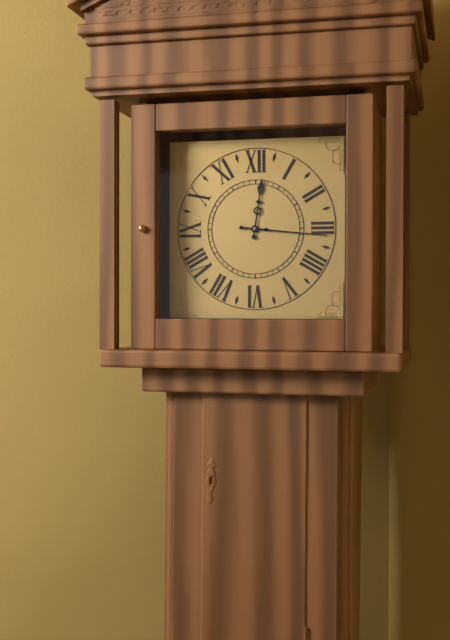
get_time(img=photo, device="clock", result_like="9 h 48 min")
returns 12 h 16 min
